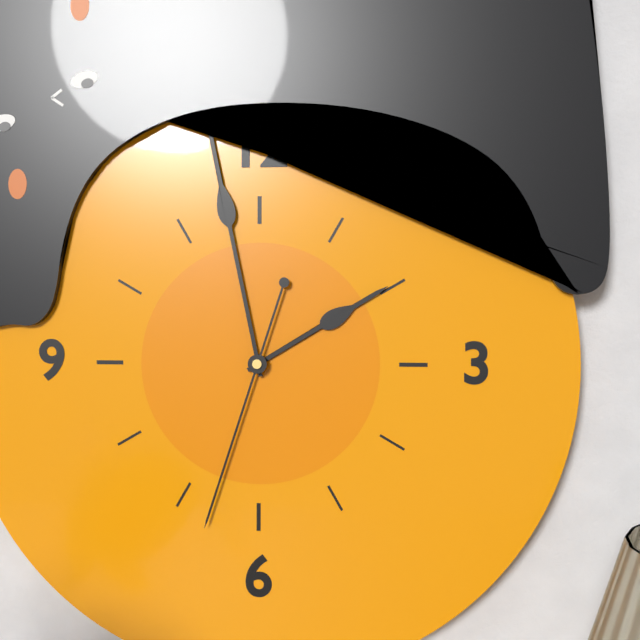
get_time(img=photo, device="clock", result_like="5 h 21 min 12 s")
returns 1 h 58 min 33 s
